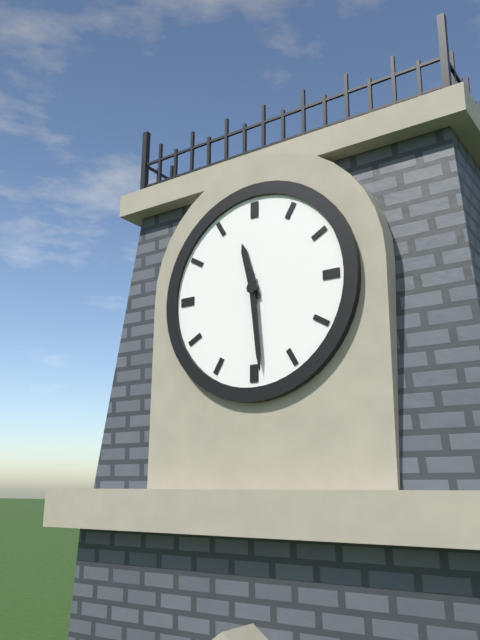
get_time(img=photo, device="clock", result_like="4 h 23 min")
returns 11 h 29 min
